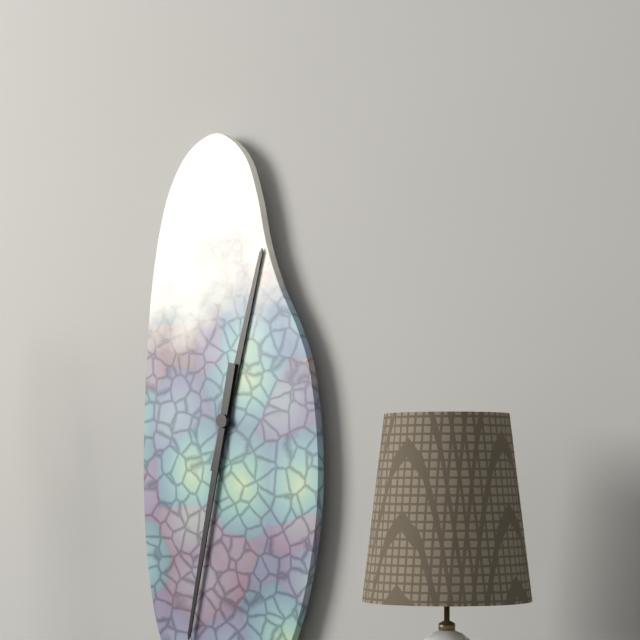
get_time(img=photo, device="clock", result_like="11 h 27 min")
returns 12 h 32 min
